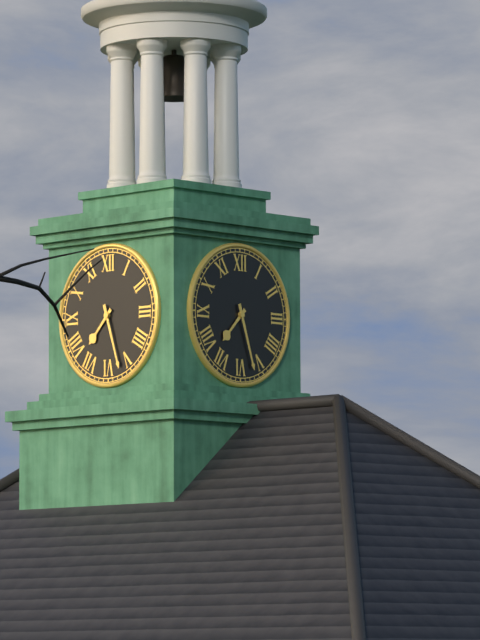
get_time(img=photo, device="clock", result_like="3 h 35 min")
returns 7 h 27 min
